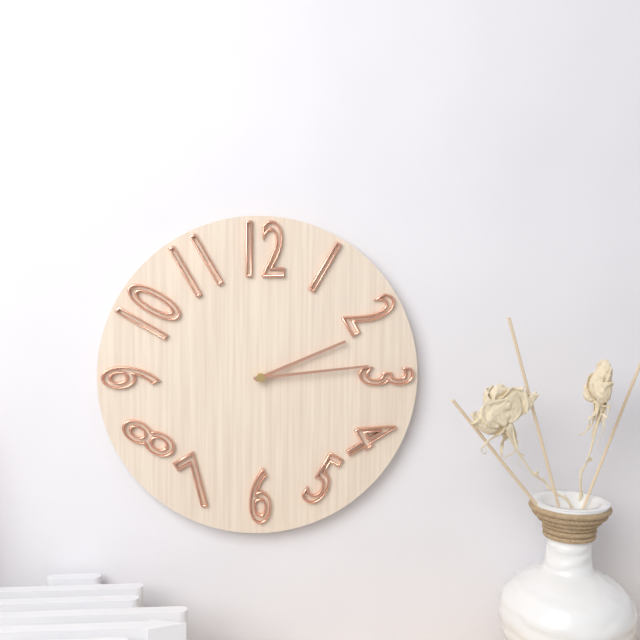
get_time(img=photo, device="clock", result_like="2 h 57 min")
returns 2 h 14 min
